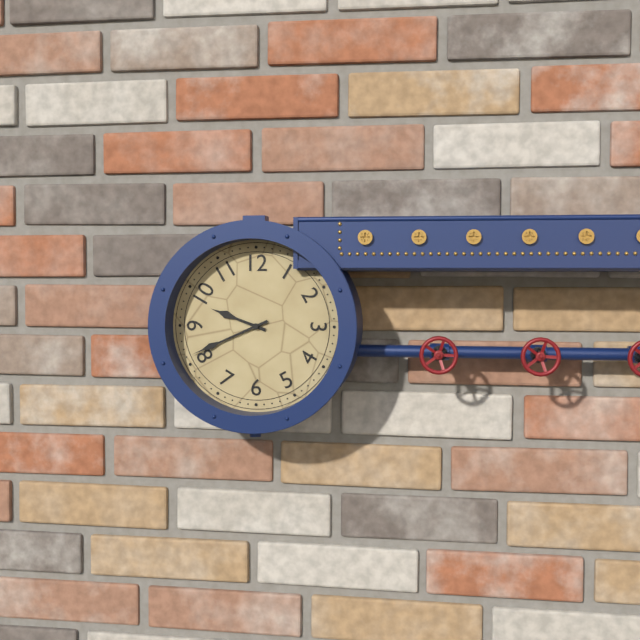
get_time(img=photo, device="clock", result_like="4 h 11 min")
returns 9 h 41 min
